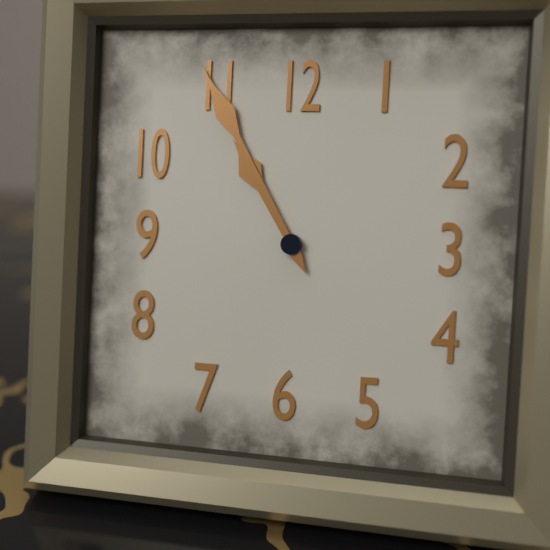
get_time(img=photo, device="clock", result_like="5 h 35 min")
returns 10 h 55 min
